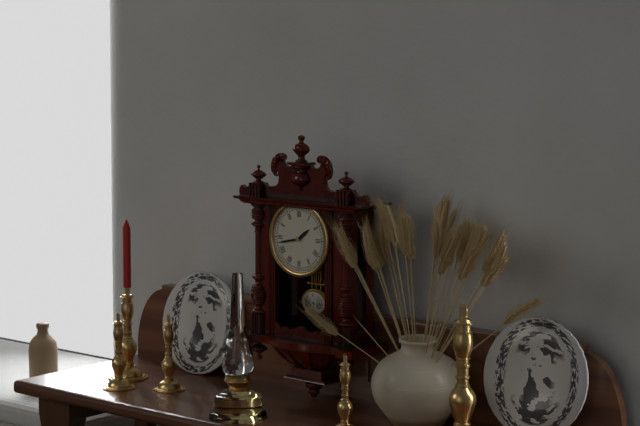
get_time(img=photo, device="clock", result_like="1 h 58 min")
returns 1 h 43 min
